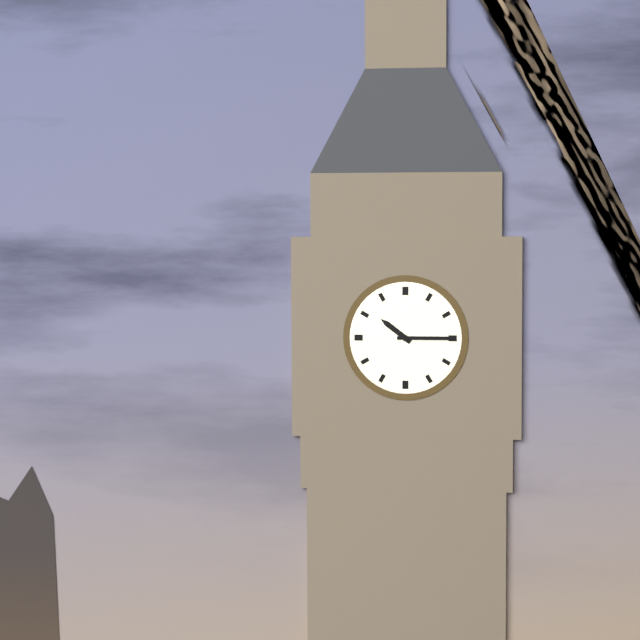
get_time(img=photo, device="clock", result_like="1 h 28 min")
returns 10 h 15 min
